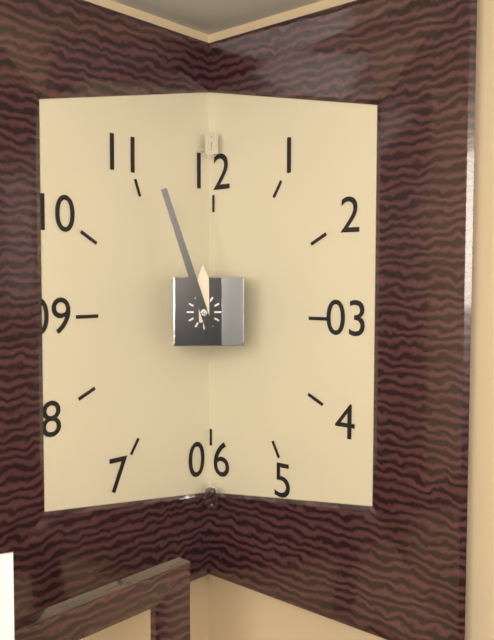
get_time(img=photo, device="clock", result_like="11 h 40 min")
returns 11 h 57 min
